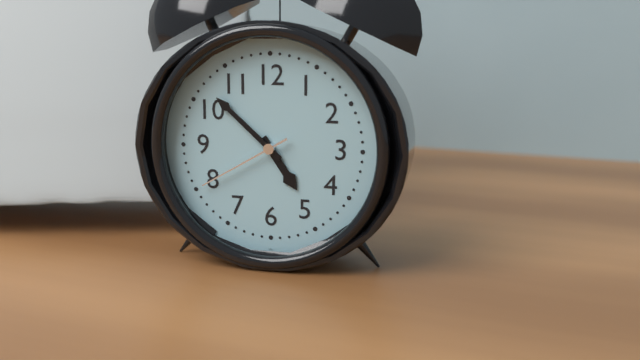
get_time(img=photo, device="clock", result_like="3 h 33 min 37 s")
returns 4 h 52 min 40 s
